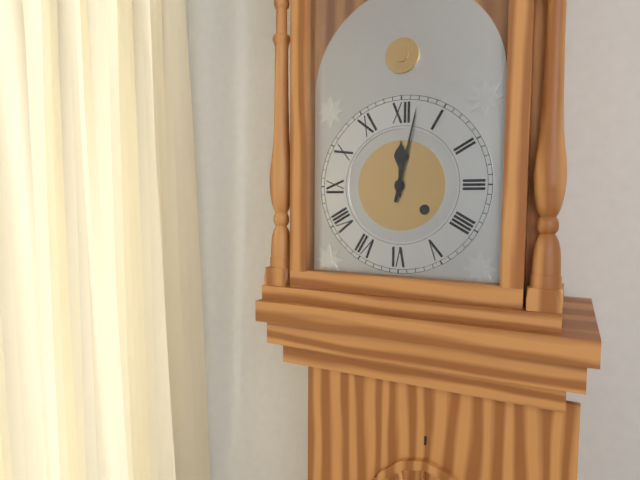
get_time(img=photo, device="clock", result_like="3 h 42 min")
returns 12 h 02 min
